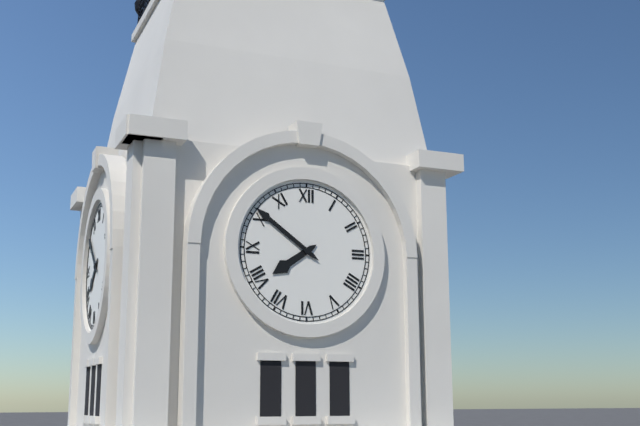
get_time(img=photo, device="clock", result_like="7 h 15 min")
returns 7 h 51 min
